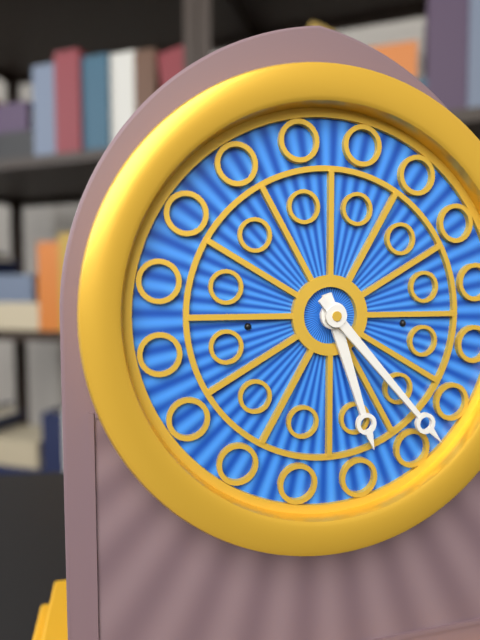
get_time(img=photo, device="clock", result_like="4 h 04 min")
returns 5 h 23 min
